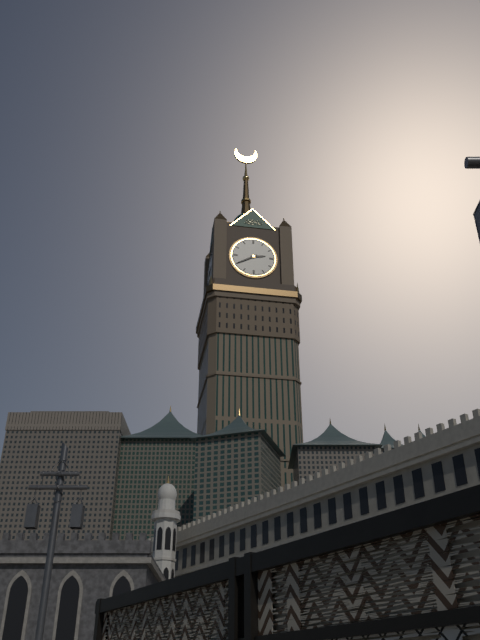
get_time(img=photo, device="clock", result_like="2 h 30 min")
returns 2 h 40 min
